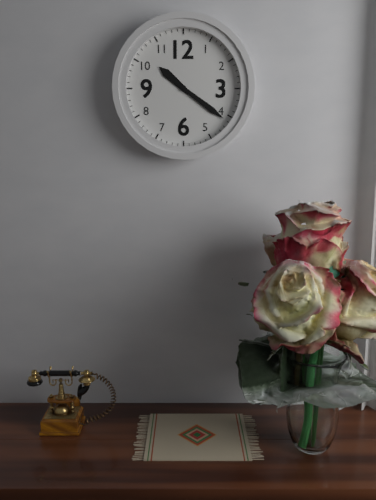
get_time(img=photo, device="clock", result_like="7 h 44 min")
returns 10 h 21 min
